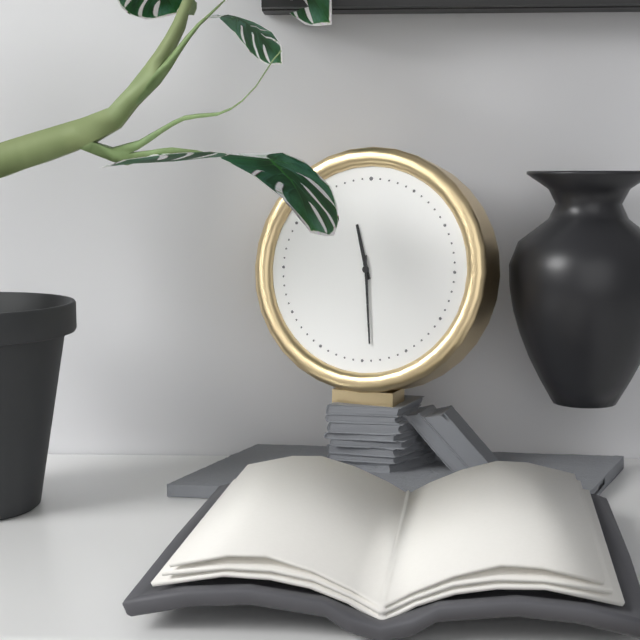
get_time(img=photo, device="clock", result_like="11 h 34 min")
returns 11 h 29 min
